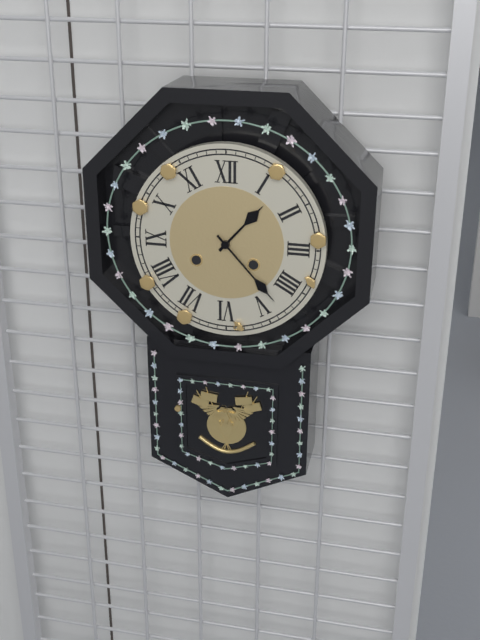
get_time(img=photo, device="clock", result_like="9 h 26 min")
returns 1 h 23 min
